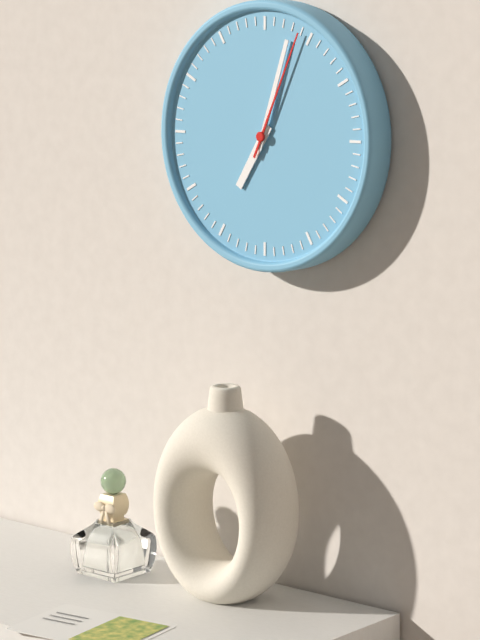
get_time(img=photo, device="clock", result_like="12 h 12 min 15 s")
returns 7 h 03 min 04 s
